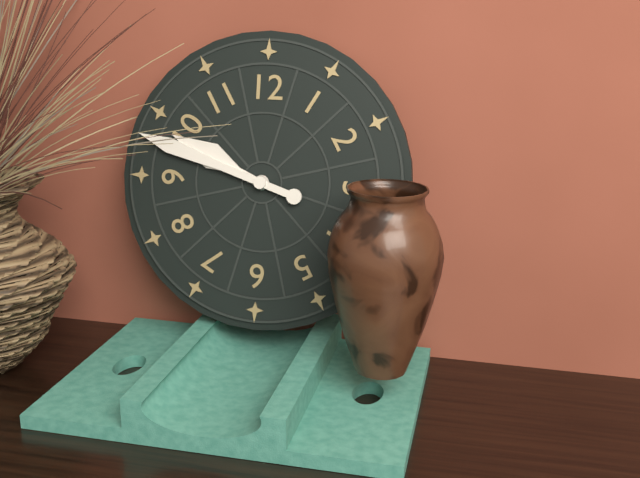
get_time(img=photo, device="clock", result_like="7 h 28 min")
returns 9 h 48 min
